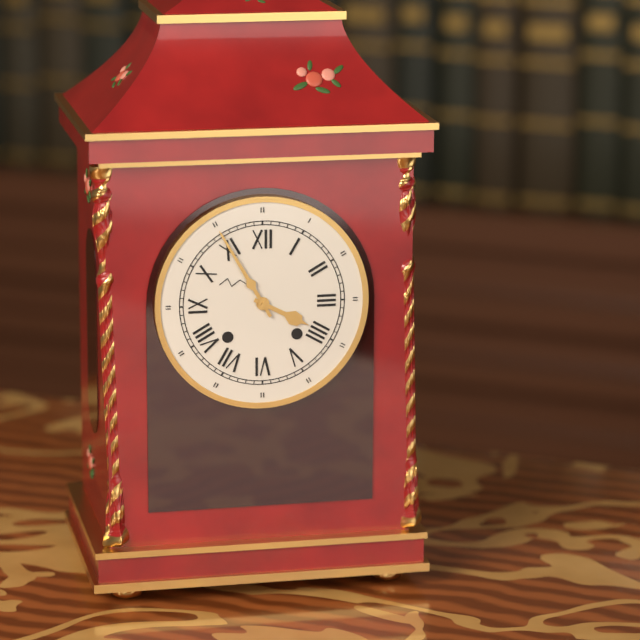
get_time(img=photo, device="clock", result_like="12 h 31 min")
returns 3 h 55 min
